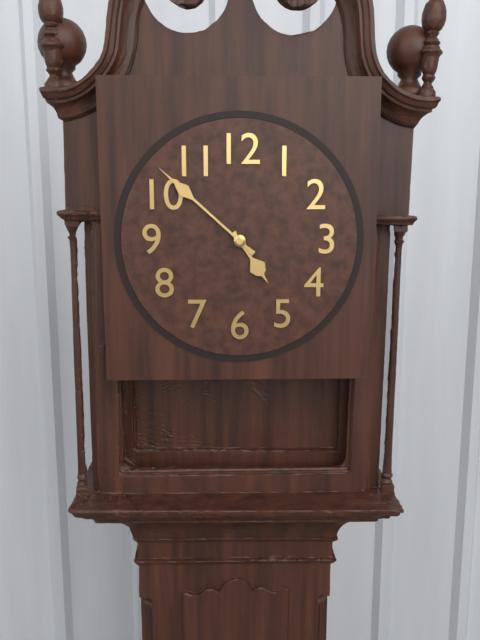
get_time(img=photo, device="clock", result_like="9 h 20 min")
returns 4 h 52 min
